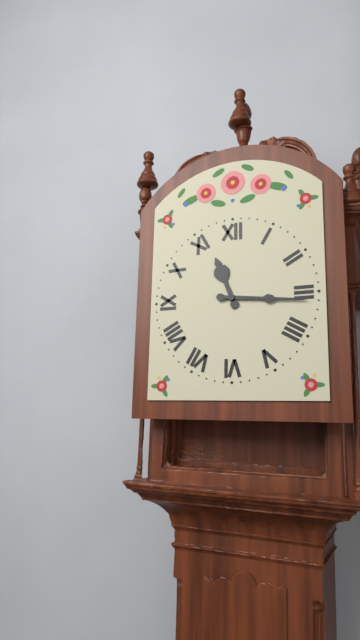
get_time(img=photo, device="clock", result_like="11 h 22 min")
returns 11 h 16 min
